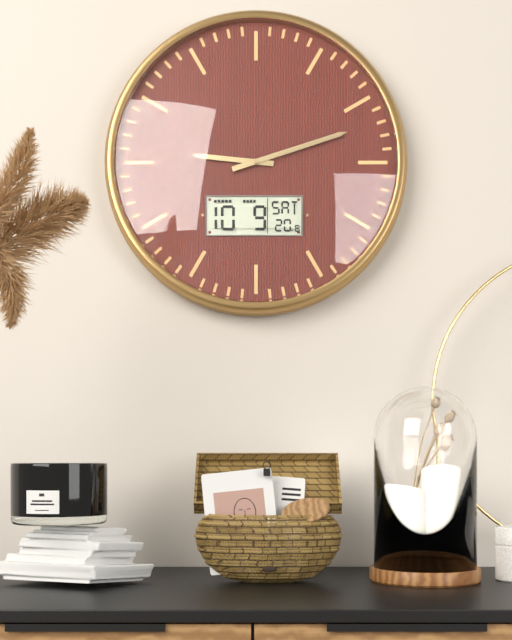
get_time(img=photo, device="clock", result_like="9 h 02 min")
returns 9 h 12 min
